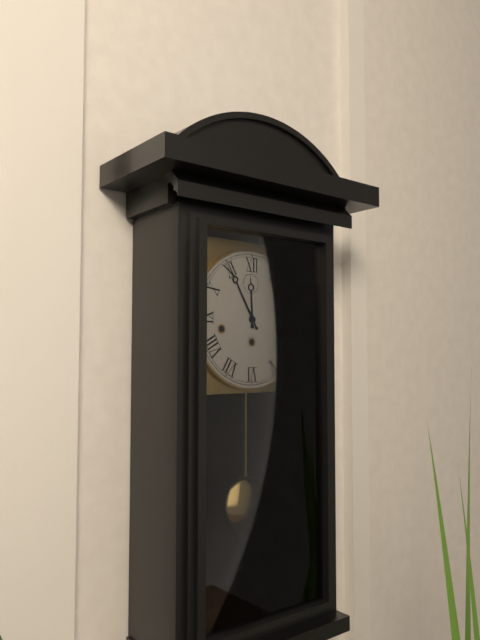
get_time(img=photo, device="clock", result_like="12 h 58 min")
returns 11 h 55 min
